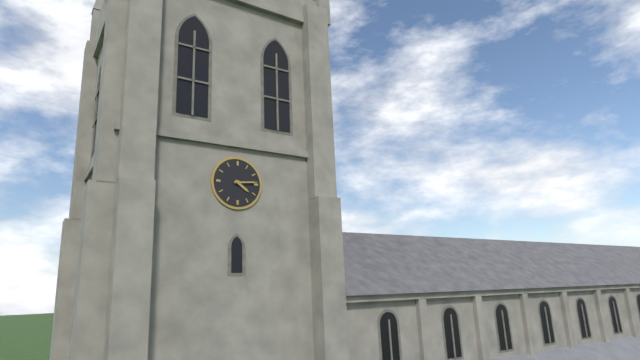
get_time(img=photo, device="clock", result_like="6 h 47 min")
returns 4 h 14 min
